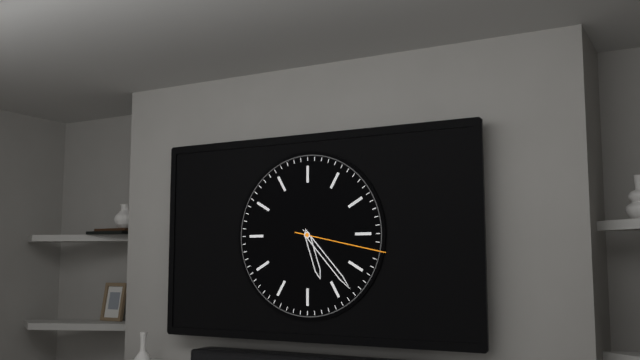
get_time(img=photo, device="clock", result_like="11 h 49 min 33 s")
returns 5 h 23 min 17 s
